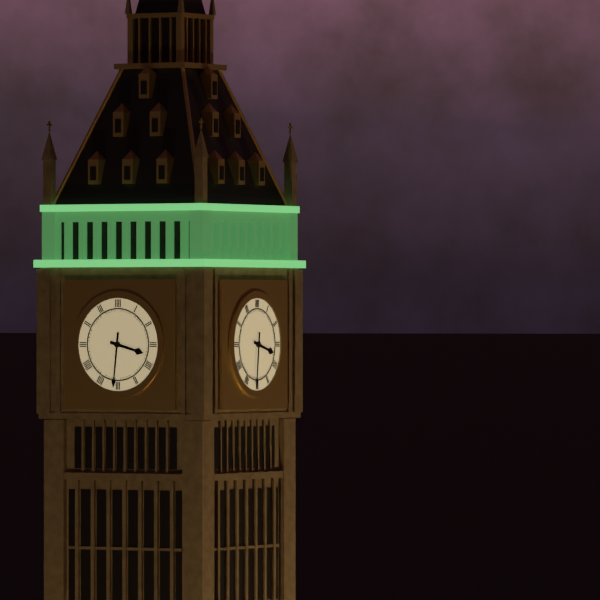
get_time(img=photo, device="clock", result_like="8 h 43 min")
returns 3 h 31 min
